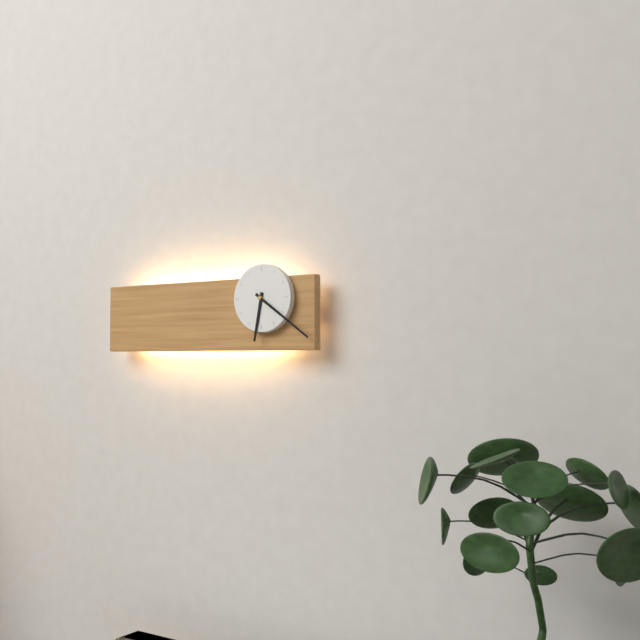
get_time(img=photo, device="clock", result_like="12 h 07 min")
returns 6 h 21 min
